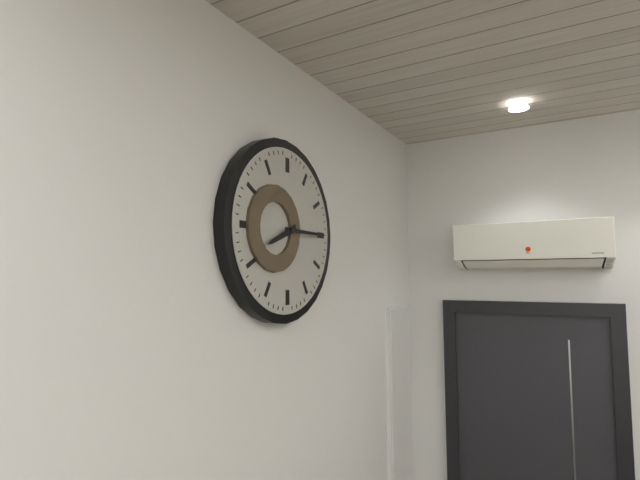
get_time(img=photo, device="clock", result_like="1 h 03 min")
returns 8 h 15 min
